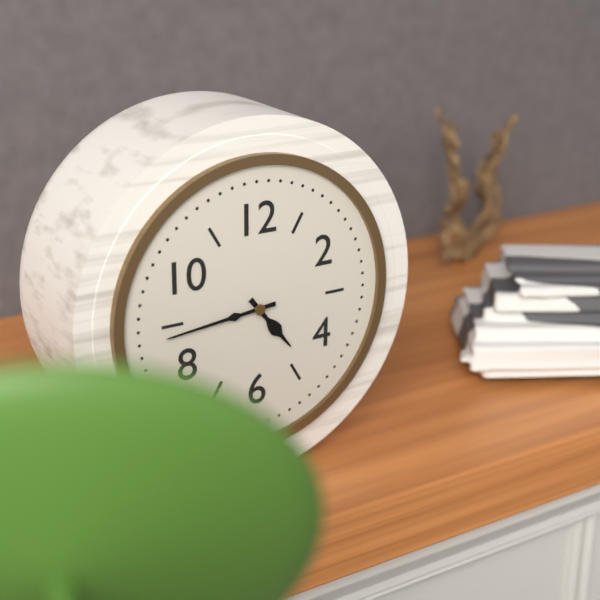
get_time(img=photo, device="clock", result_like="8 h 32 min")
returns 4 h 44 min
